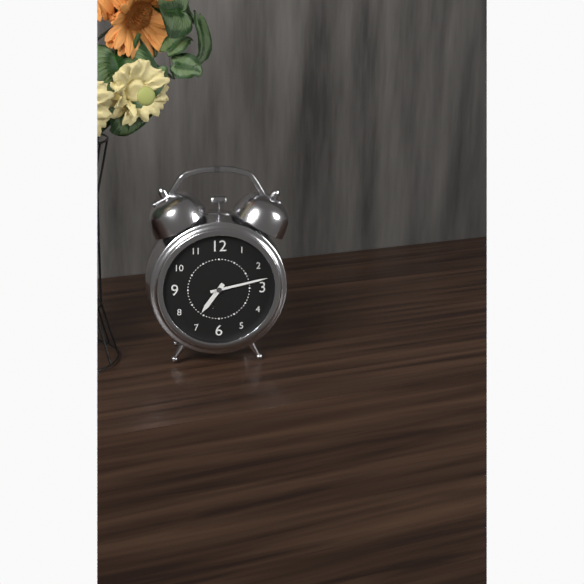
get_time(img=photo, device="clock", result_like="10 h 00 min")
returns 7 h 13 min
